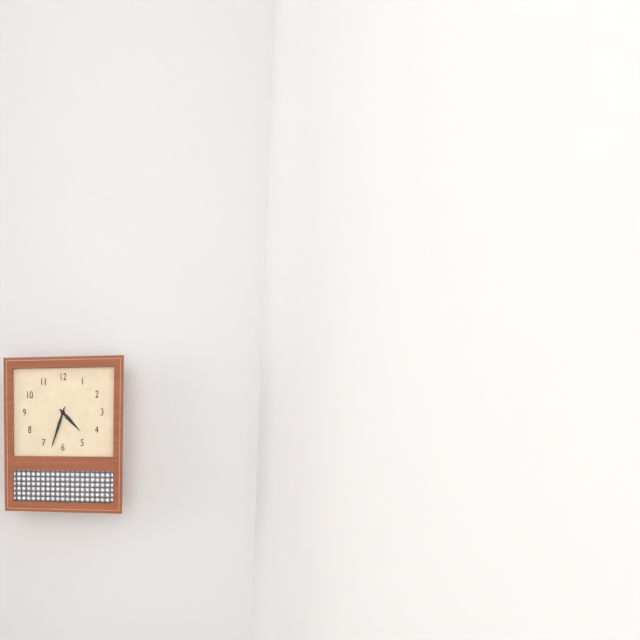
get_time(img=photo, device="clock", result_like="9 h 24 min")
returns 4 h 33 min
